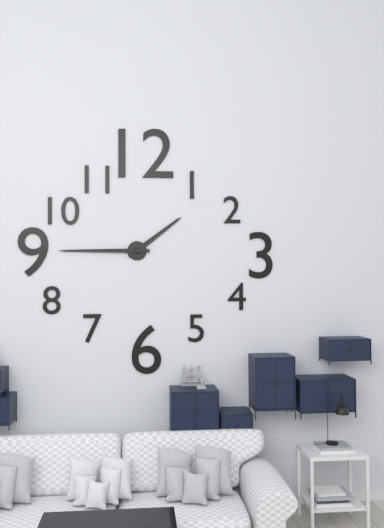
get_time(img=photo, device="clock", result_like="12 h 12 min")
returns 1 h 45 min
